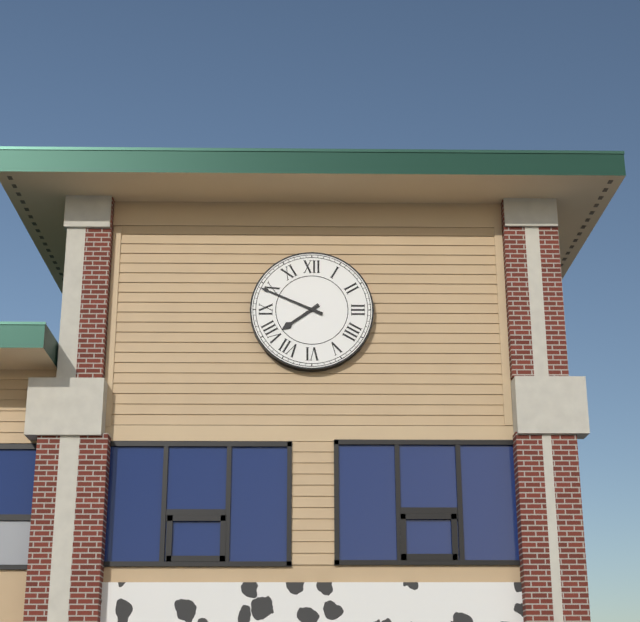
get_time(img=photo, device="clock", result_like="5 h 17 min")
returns 7 h 49 min
